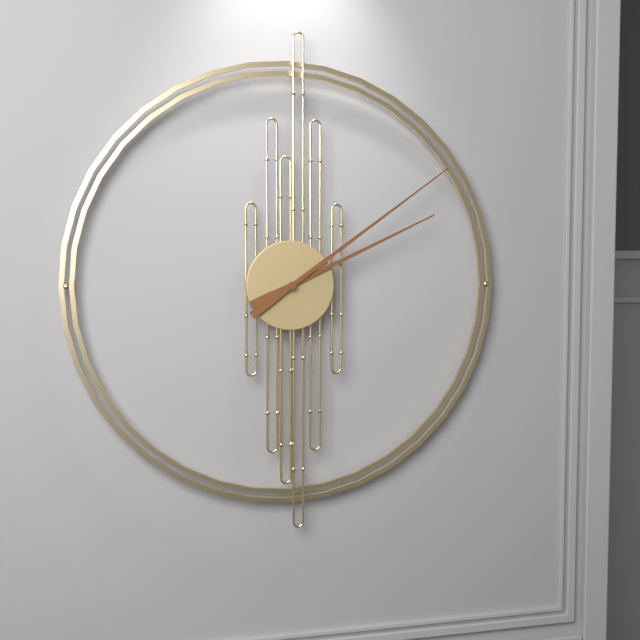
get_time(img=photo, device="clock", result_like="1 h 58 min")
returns 2 h 09 min
